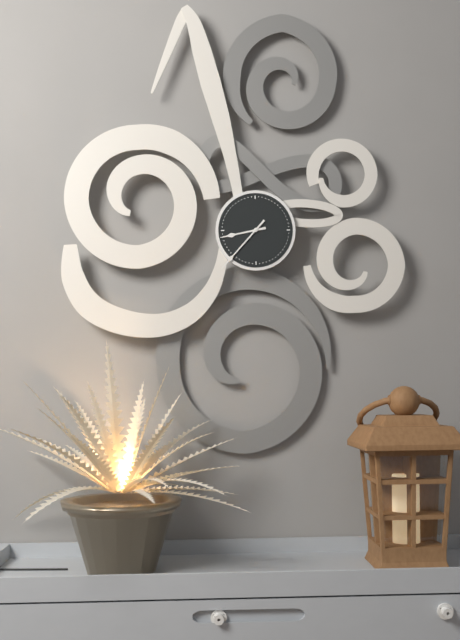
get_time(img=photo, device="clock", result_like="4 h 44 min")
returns 8 h 37 min
